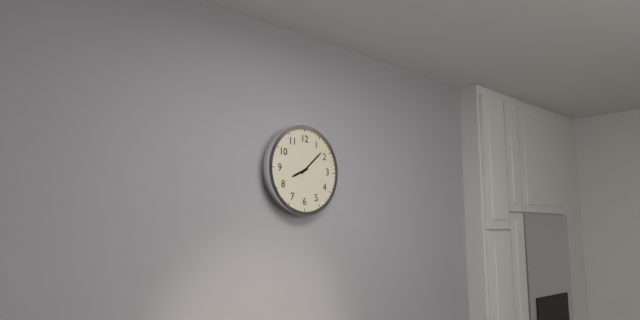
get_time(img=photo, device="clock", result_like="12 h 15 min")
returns 8 h 08 min
